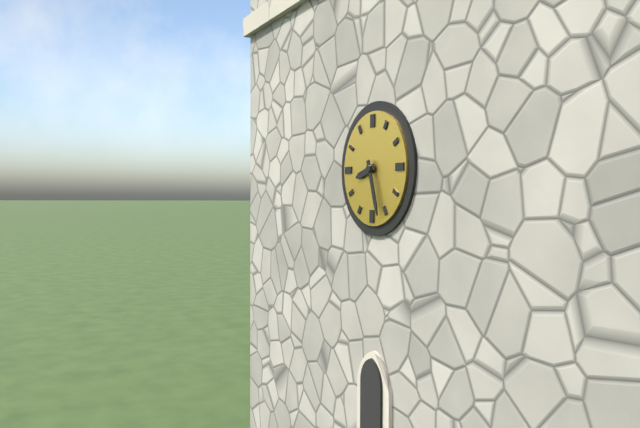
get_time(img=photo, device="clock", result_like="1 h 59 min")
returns 8 h 27 min
